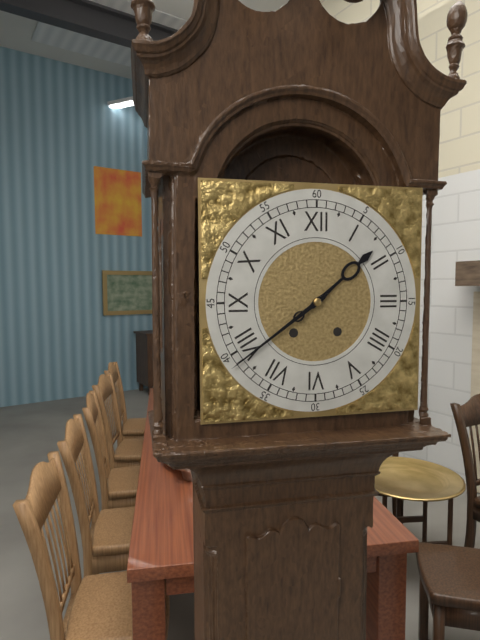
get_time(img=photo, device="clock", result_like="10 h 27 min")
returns 1 h 39 min
